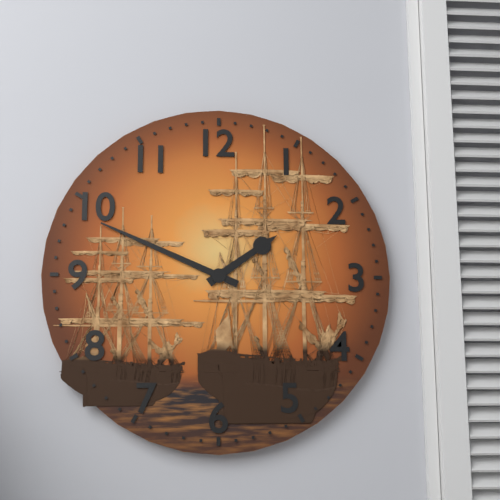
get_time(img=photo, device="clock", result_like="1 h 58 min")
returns 1 h 49 min
